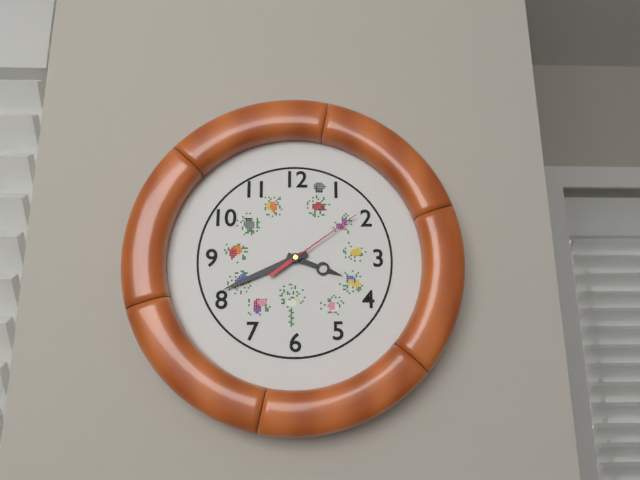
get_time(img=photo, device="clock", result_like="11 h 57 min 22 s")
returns 3 h 41 min 09 s
